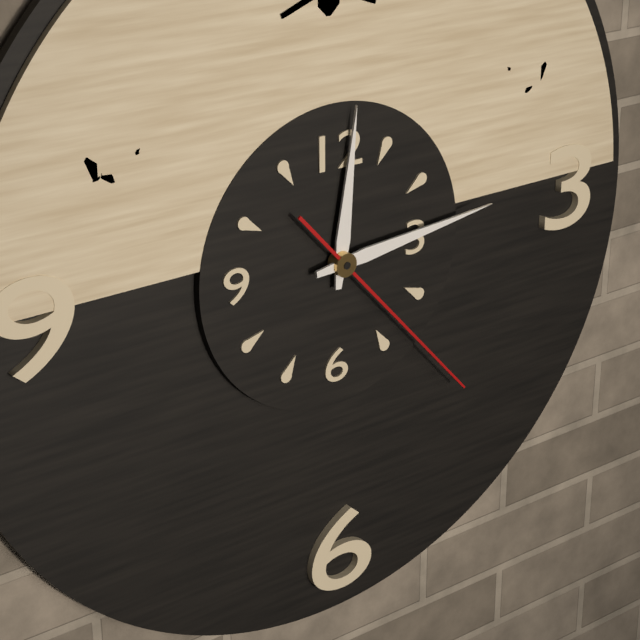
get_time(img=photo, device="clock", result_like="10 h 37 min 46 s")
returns 12 h 14 min 23 s
